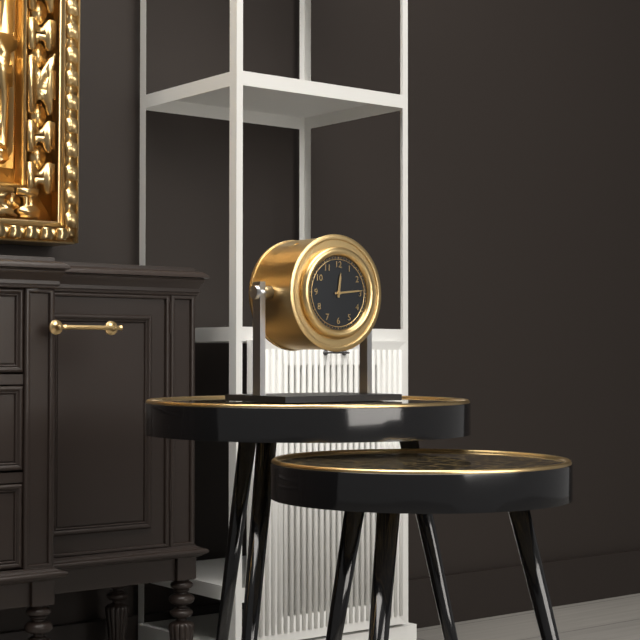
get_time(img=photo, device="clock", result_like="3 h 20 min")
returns 12 h 14 min
